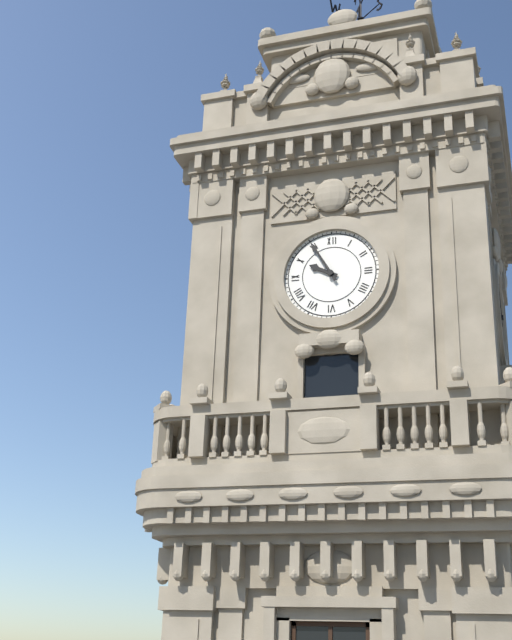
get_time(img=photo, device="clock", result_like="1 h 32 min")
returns 9 h 55 min
